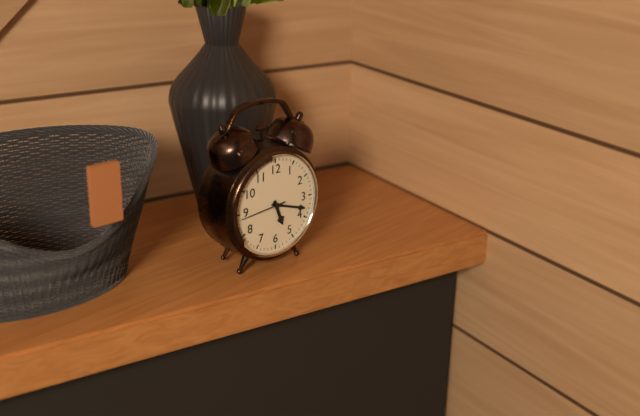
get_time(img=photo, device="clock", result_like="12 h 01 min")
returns 5 h 18 min
